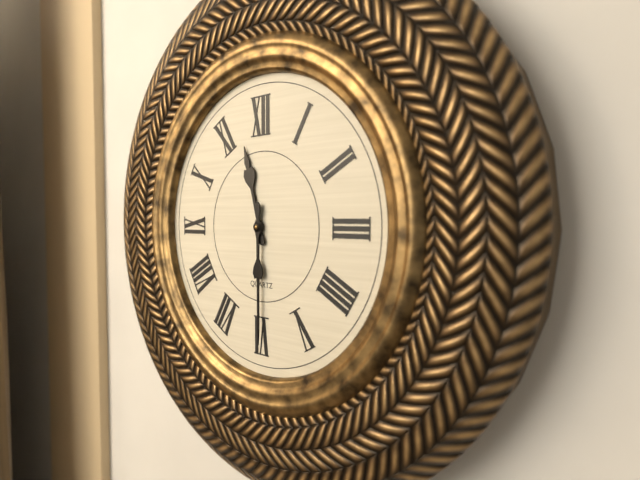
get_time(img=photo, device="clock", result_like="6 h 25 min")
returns 11 h 30 min
